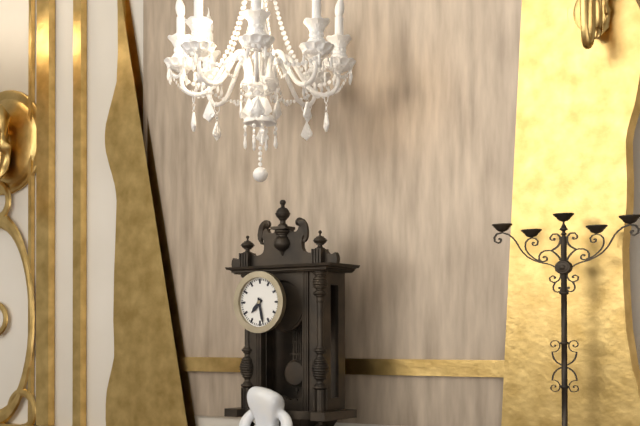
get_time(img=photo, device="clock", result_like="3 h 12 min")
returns 7 h 28 min
